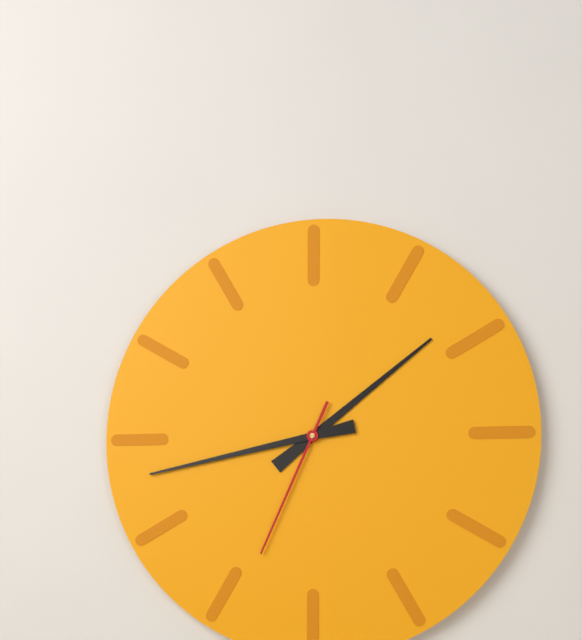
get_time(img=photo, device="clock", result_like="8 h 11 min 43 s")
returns 1 h 43 min 34 s
